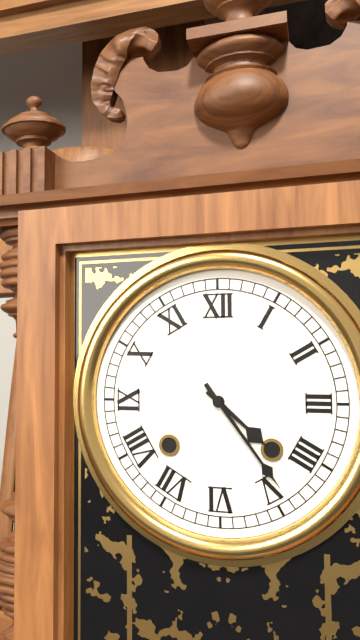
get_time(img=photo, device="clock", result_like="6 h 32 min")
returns 4 h 24 min
